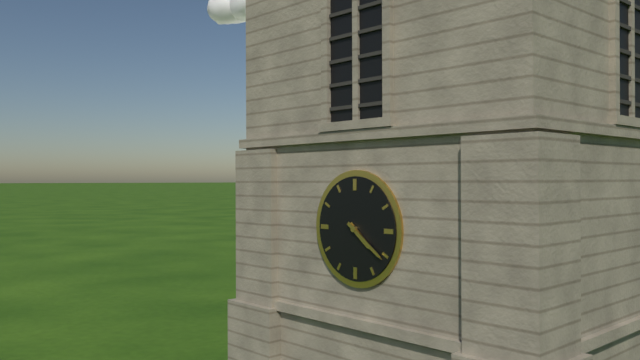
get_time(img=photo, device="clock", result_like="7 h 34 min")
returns 4 h 21 min
